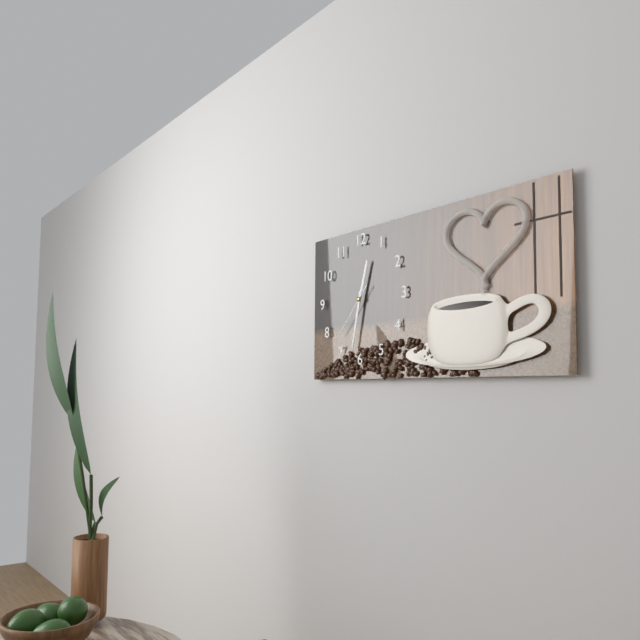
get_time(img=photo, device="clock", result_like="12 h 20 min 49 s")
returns 12 h 32 min 37 s
